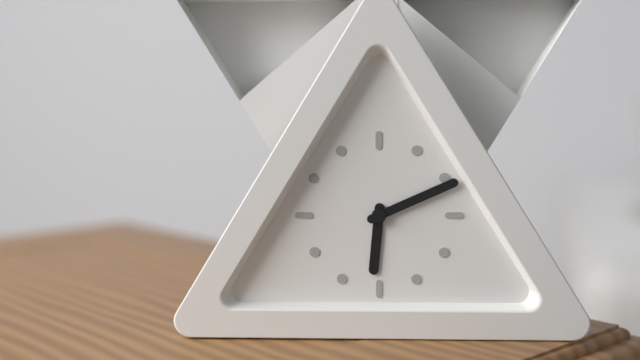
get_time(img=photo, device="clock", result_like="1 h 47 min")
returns 6 h 11 min
